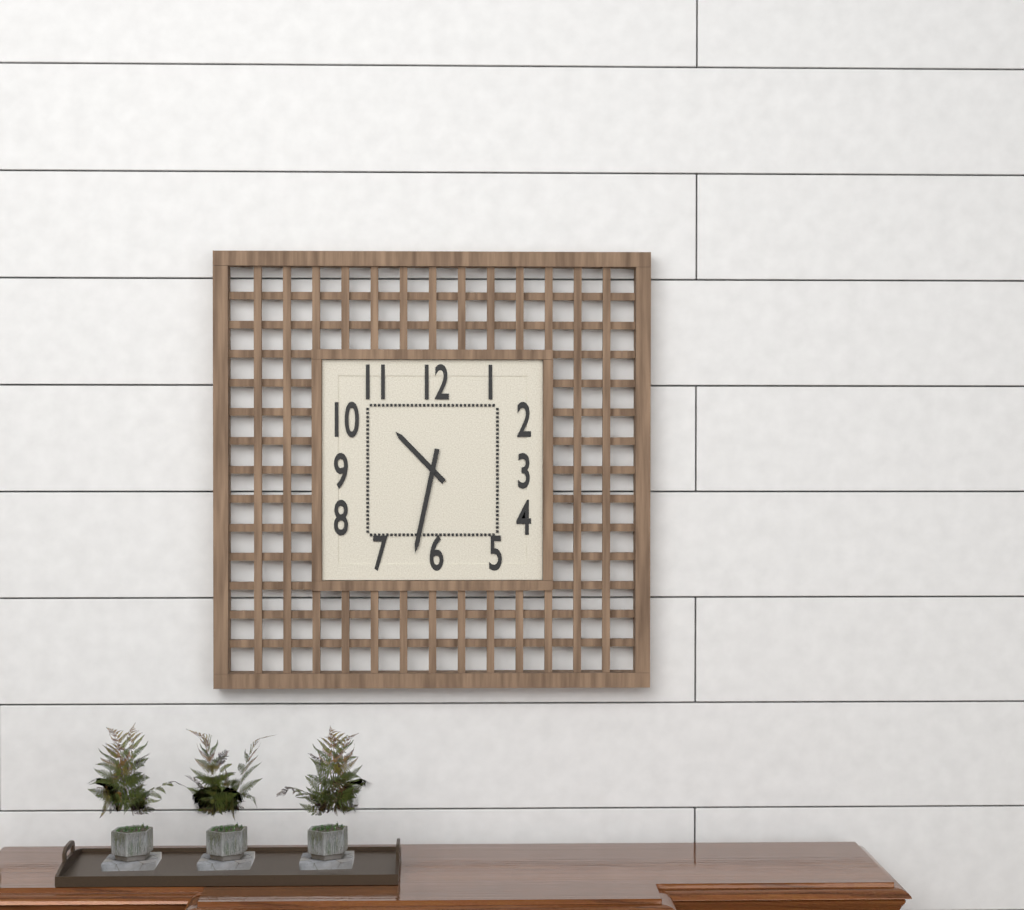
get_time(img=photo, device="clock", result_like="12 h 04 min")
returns 10 h 32 min
